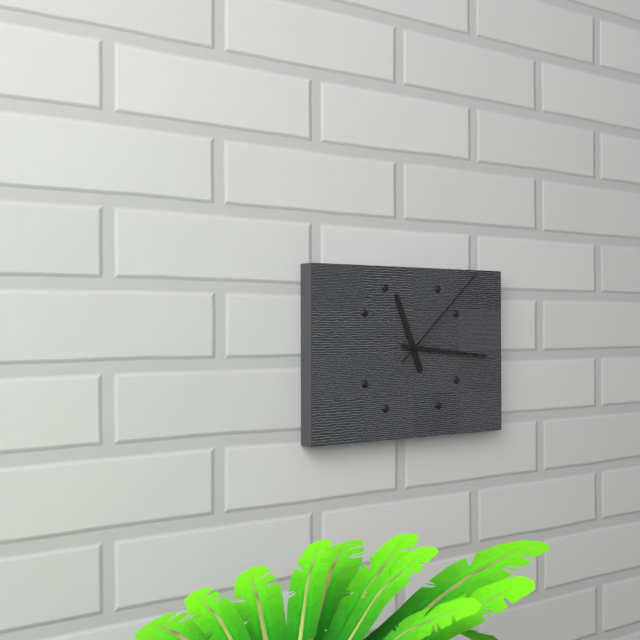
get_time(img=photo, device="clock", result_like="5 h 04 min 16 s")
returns 11 h 16 min 08 s
